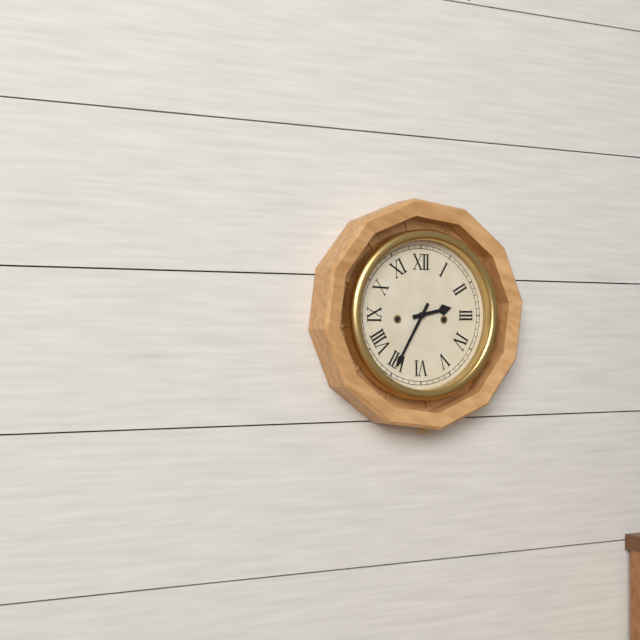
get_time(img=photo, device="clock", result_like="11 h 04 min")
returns 2 h 35 min
